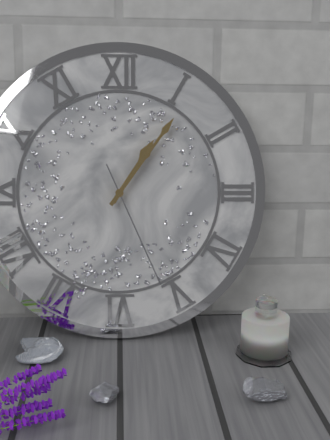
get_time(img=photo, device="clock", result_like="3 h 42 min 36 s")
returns 1 h 06 min 26 s
